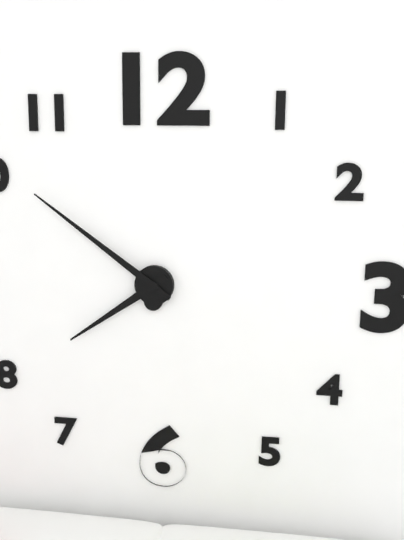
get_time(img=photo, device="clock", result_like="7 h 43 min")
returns 7 h 51 min
